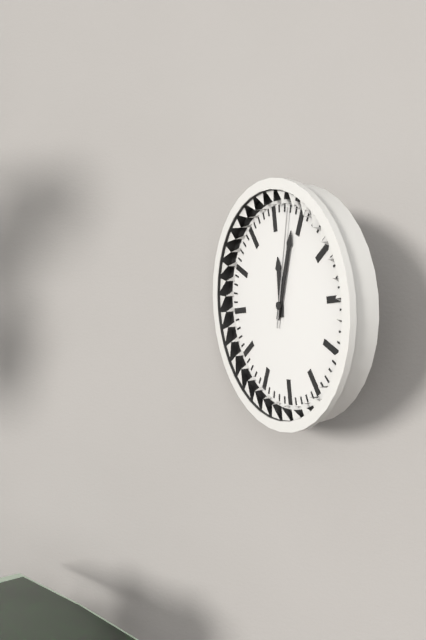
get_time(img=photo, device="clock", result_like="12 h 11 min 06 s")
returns 12 h 04 min 03 s
